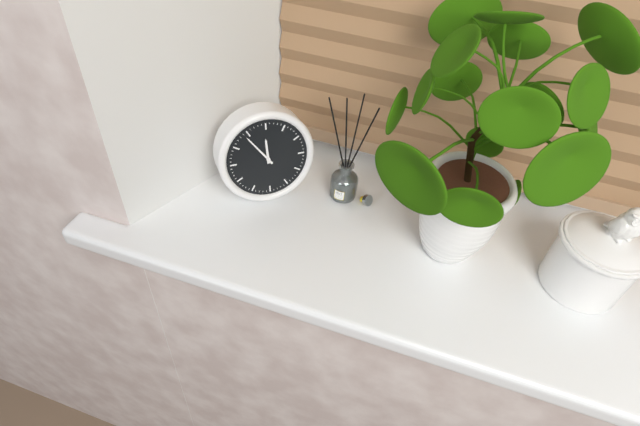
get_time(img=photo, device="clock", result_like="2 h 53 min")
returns 11 h 54 min
